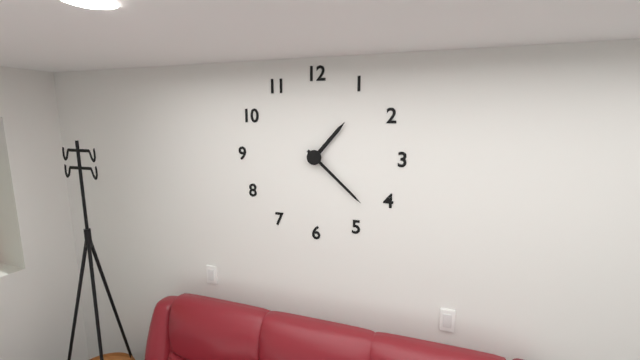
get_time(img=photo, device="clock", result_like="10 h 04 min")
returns 1 h 22 min
